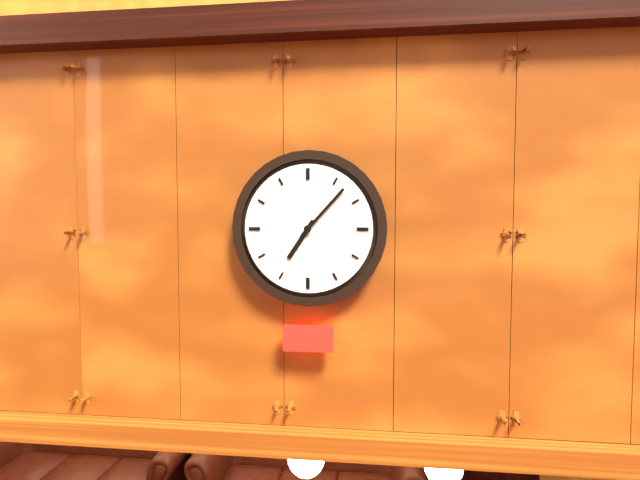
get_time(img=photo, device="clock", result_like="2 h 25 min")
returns 7 h 07 min
